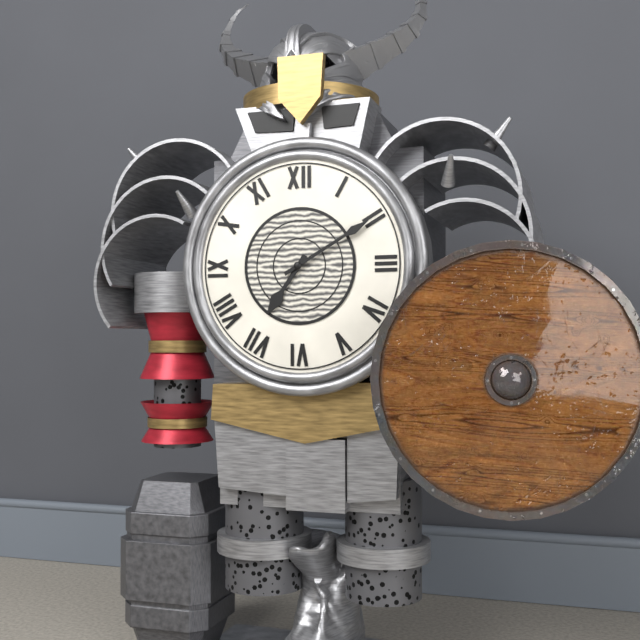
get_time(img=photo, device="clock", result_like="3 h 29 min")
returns 7 h 10 min
